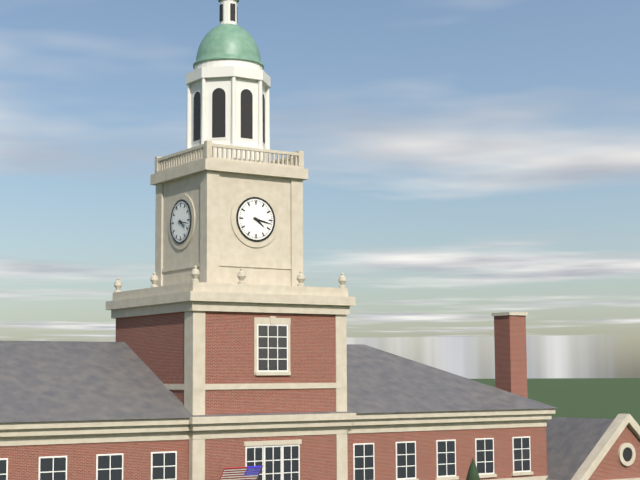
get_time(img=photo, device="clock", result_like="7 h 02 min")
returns 4 h 17 min
